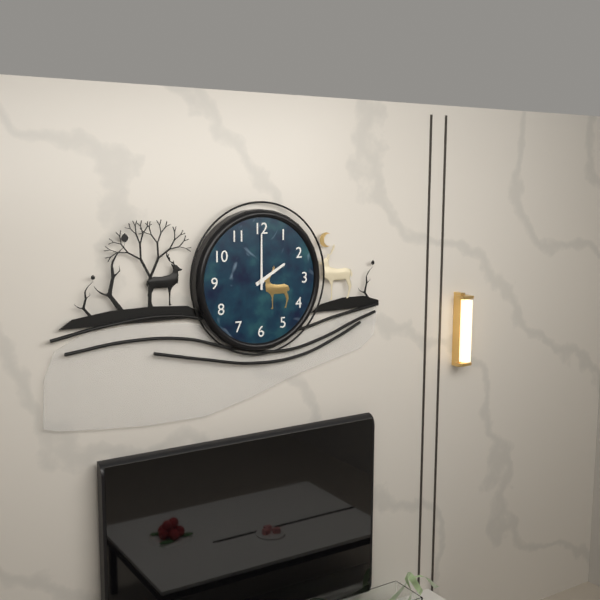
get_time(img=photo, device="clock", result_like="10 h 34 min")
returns 2 h 00 min
